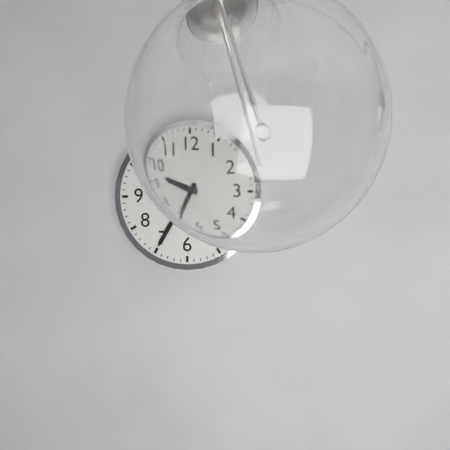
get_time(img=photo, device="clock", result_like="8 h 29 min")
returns 9 h 35 min
